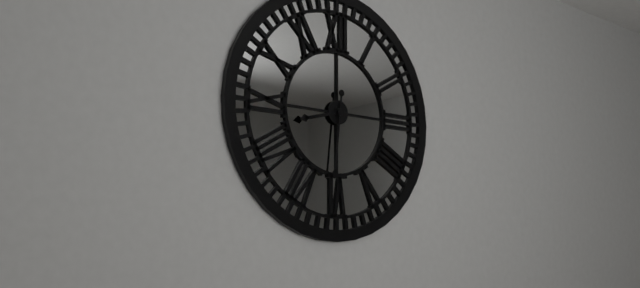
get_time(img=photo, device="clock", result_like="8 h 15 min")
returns 8 h 31 min
